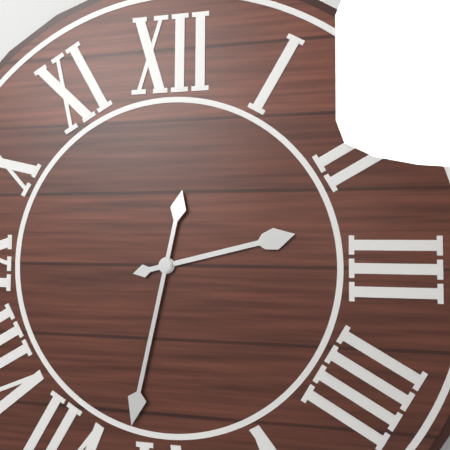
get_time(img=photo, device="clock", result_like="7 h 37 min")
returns 2 h 32 min
